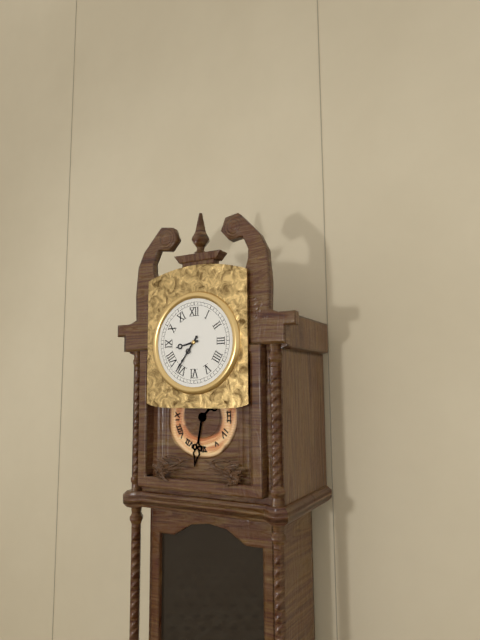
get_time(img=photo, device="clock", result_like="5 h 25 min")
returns 8 h 36 min
